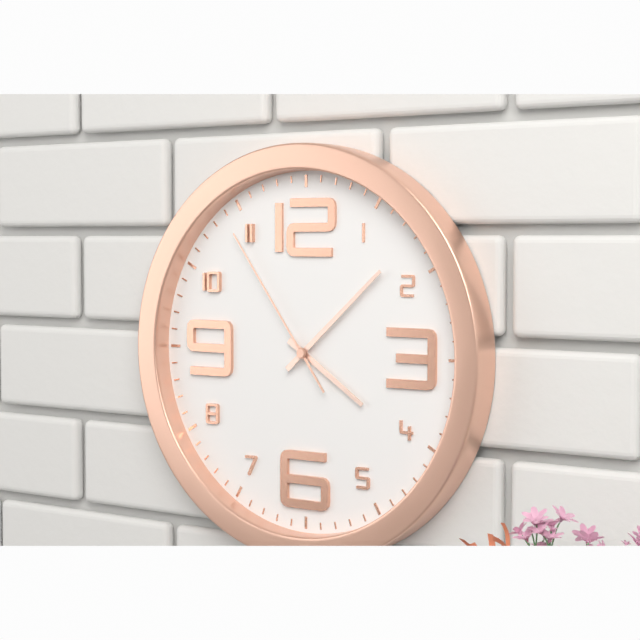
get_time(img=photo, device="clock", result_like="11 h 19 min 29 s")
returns 4 h 08 min 54 s
